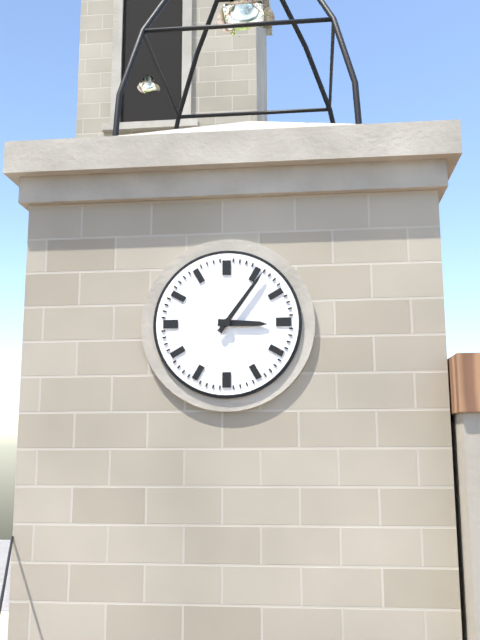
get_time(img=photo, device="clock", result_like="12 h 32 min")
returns 3 h 06 min
